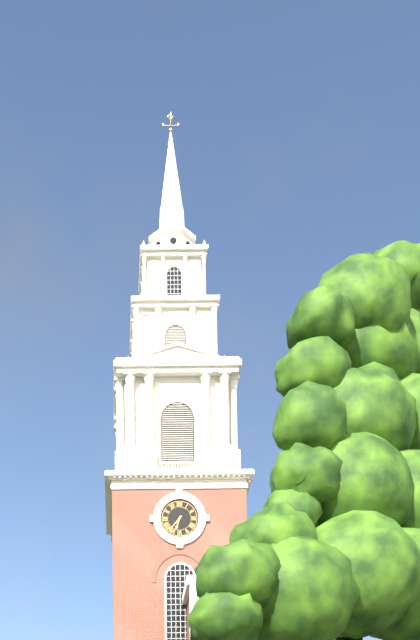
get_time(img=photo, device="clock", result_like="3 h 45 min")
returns 6 h 37 min
